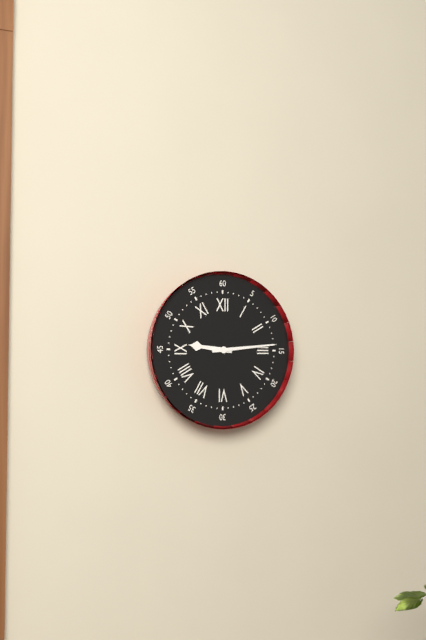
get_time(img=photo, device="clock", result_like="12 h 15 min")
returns 9 h 14 min
